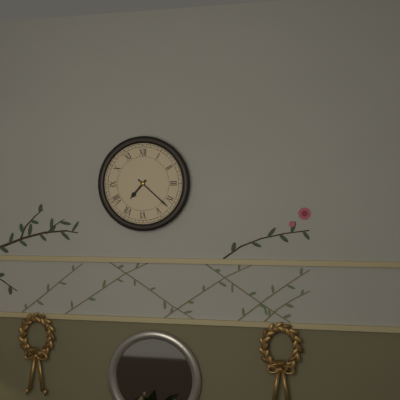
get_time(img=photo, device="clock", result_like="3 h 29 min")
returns 7 h 22 min
